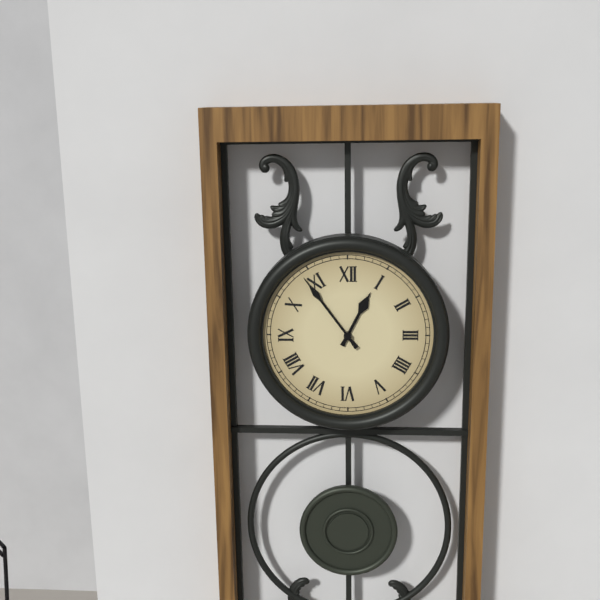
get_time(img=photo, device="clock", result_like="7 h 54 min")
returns 12 h 54 min
